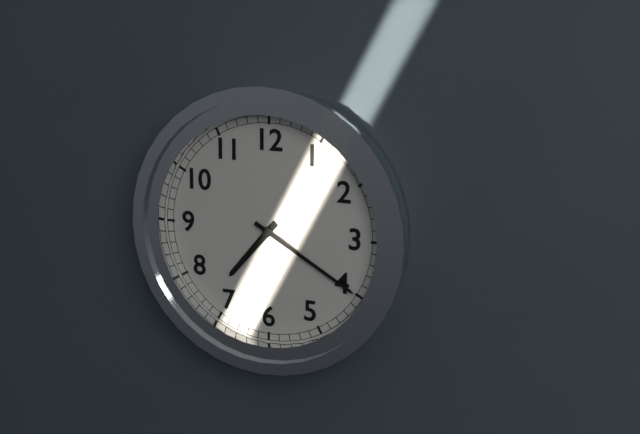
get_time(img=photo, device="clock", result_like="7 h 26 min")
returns 7 h 20 min
